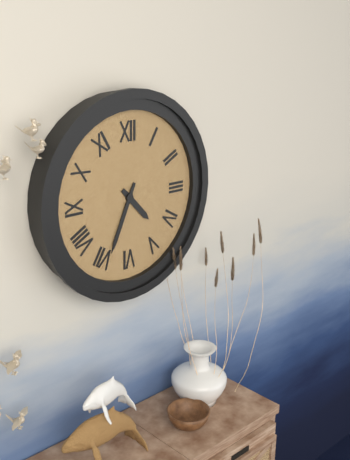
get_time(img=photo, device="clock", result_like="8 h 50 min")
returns 4 h 34 min
